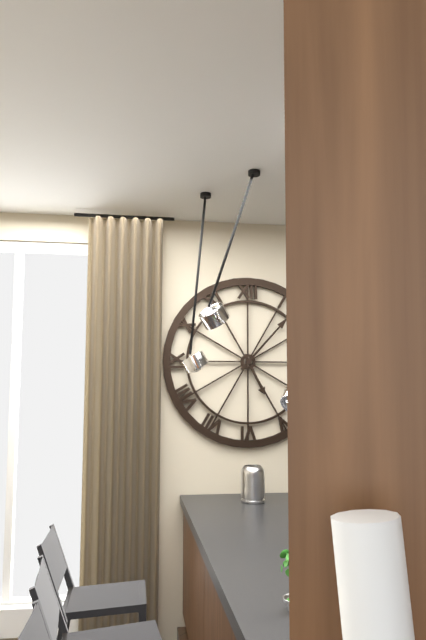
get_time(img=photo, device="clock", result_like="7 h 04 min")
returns 5 h 07 min
